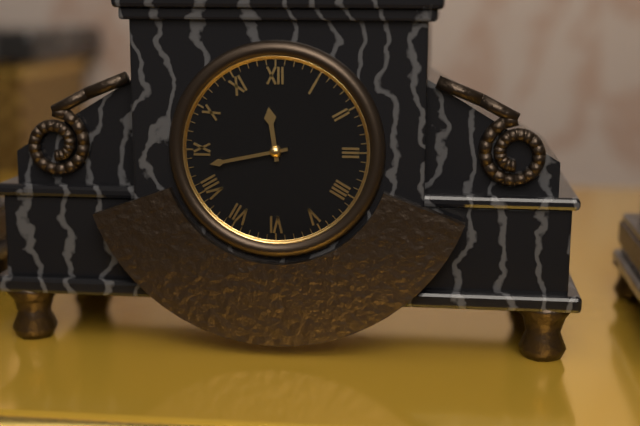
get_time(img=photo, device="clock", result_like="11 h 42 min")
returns 11 h 43 min
